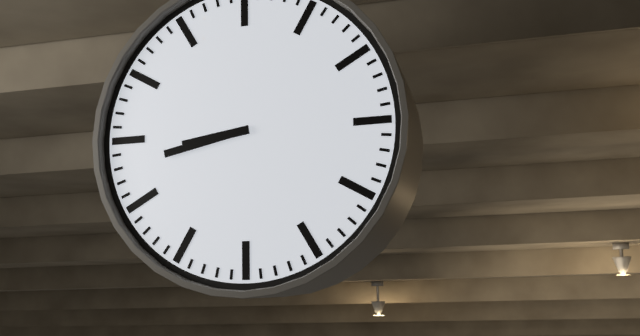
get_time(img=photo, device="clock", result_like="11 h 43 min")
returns 8 h 43 min
